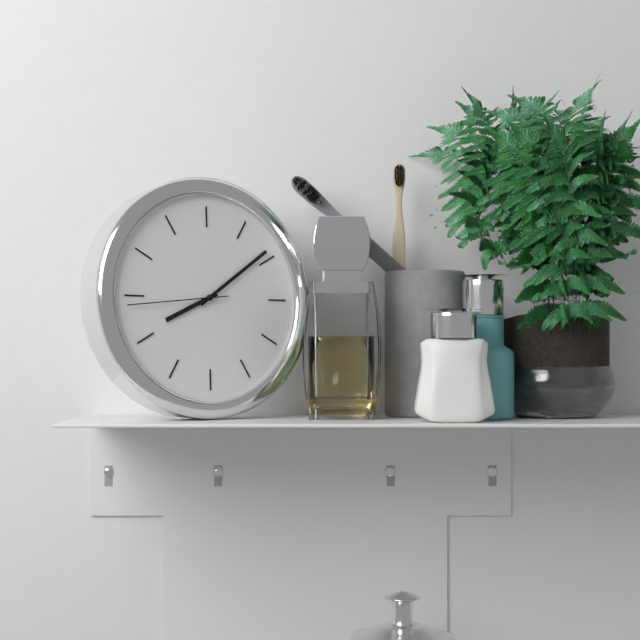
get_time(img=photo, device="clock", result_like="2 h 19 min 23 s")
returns 8 h 09 min 44 s
